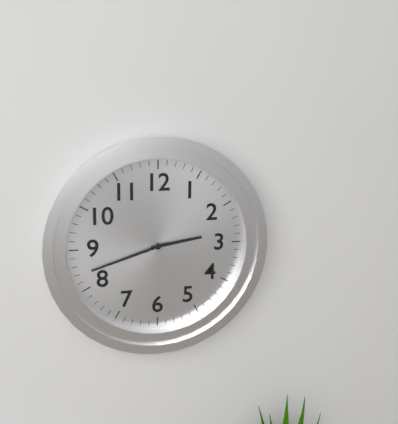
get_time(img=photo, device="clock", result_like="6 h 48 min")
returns 2 h 42 min
